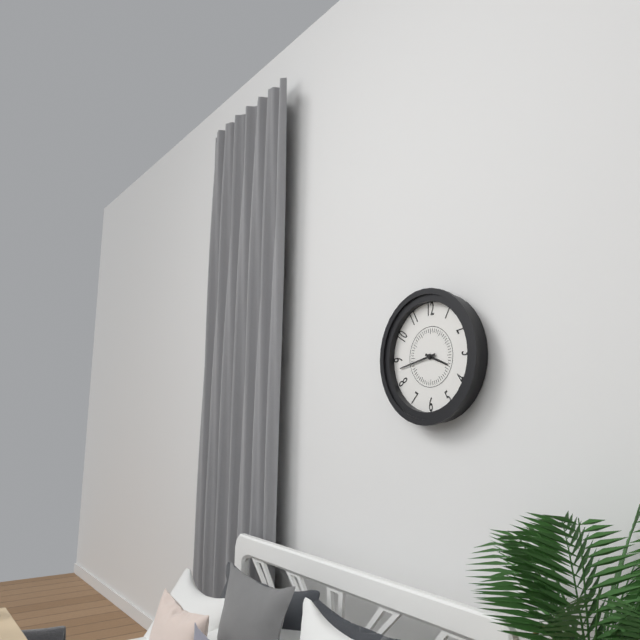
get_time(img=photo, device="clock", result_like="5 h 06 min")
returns 3 h 43 min
